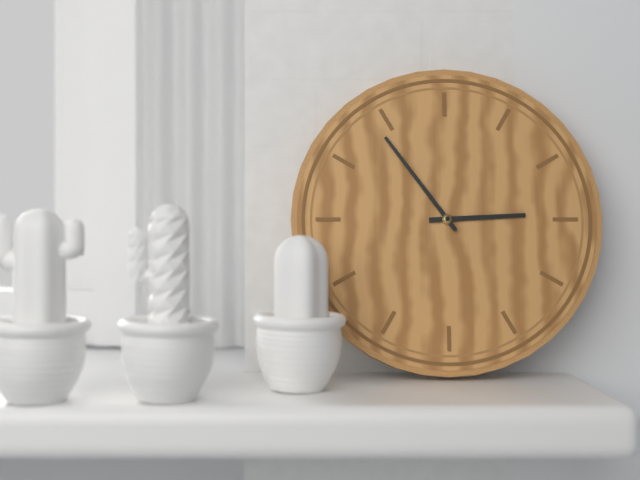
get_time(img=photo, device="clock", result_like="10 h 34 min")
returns 2 h 54 min
